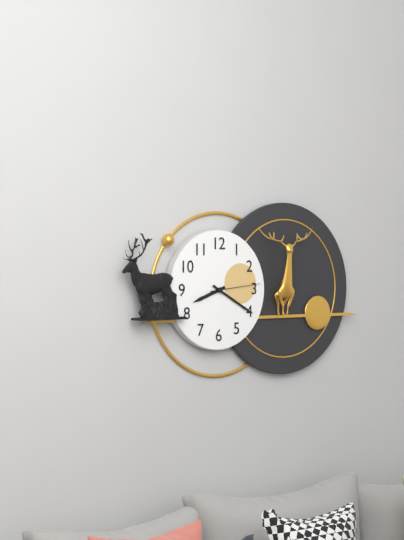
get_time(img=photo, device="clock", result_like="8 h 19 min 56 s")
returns 8 h 20 min 14 s
